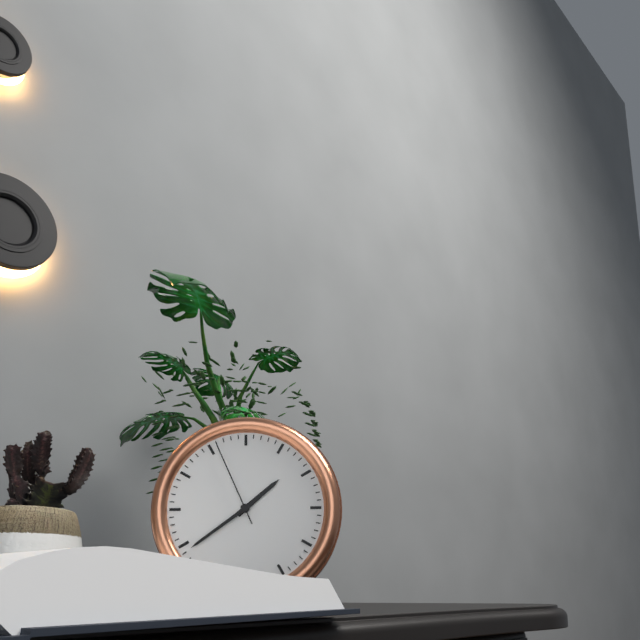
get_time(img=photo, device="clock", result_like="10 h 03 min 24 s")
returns 1 h 39 min 56 s
